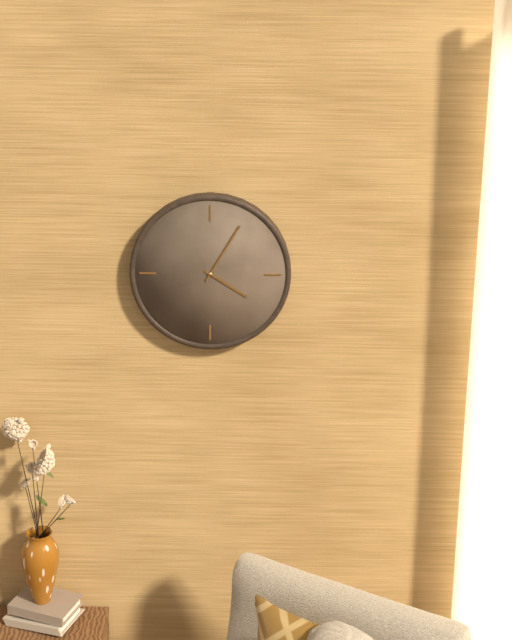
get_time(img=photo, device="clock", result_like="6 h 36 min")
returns 4 h 05 min
